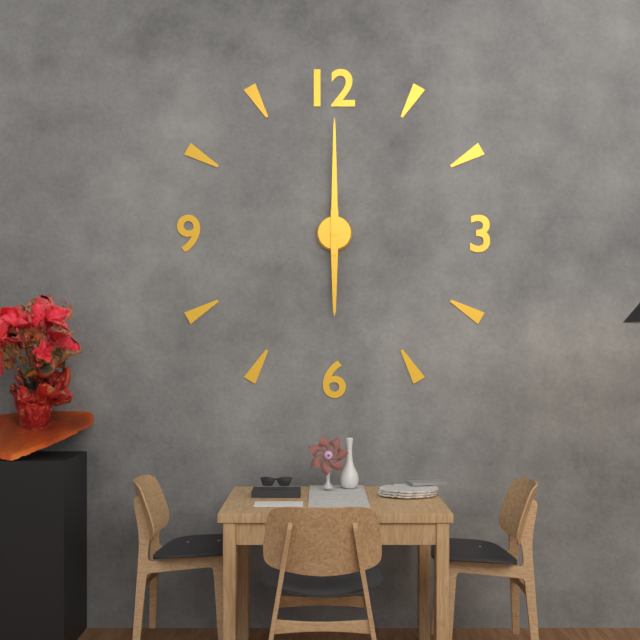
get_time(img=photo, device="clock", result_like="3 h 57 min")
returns 6 h 00 min
